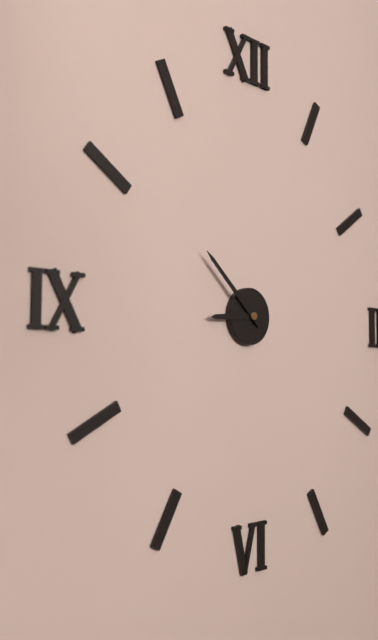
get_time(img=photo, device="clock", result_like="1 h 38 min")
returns 8 h 52 min
